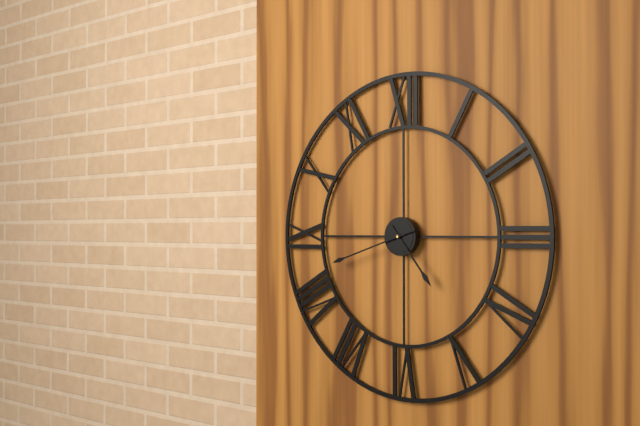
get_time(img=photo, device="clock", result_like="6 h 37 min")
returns 4 h 42 min
